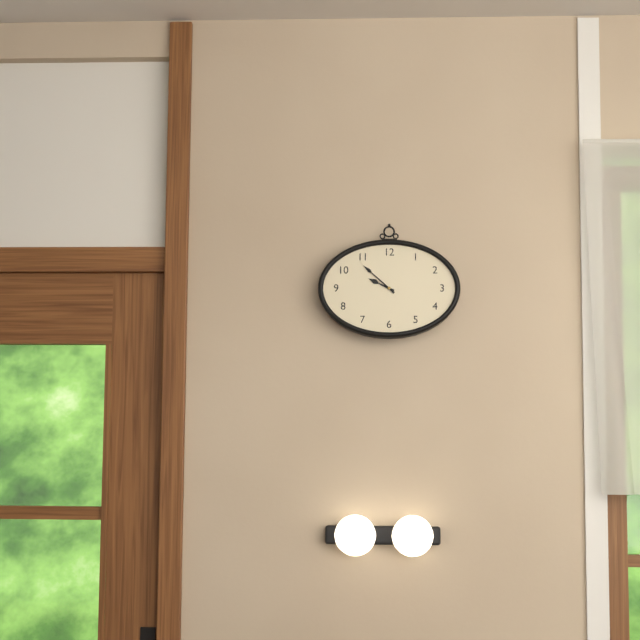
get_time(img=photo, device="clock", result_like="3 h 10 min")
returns 9 h 52 min
